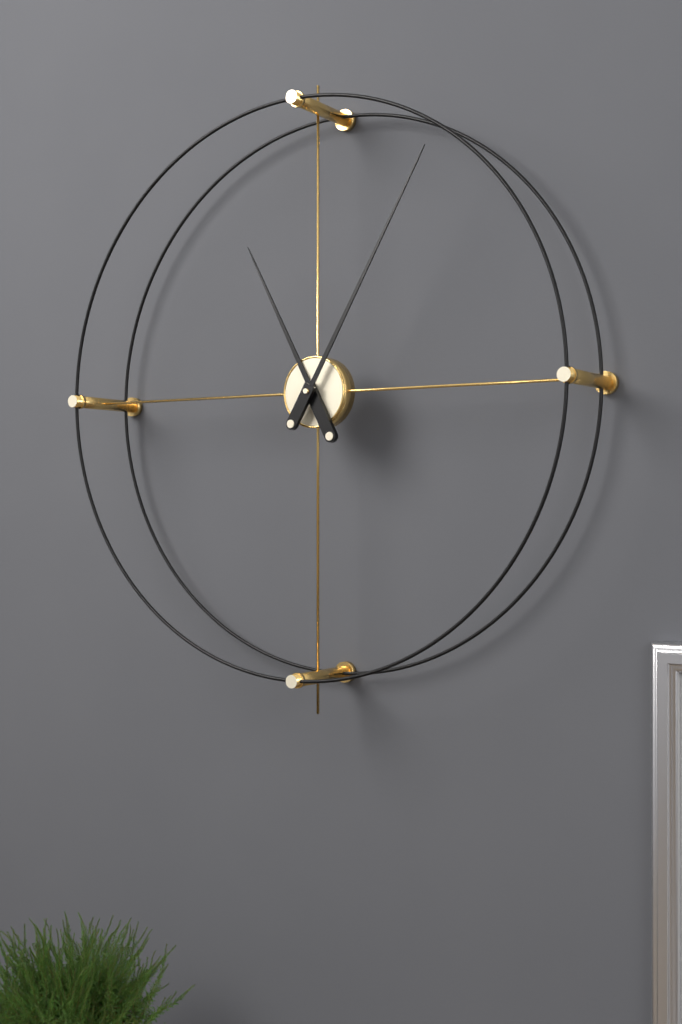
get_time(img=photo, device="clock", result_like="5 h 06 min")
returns 11 h 05 min
